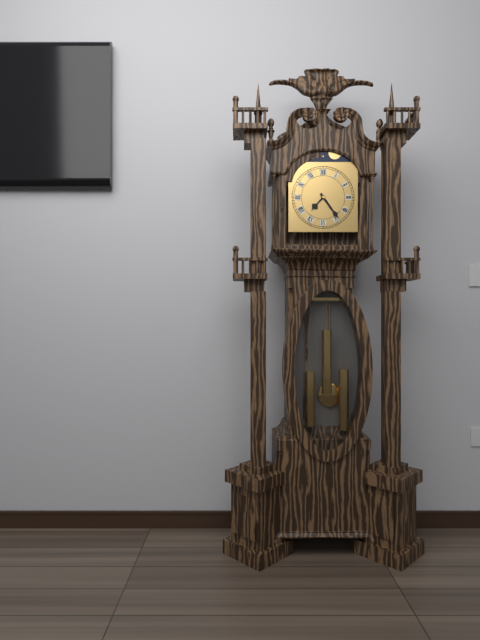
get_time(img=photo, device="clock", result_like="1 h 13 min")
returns 7 h 24 min
